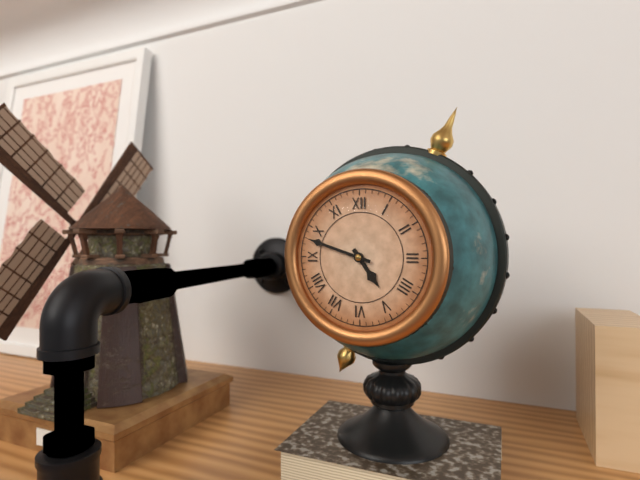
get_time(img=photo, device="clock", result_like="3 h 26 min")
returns 4 h 48 min
